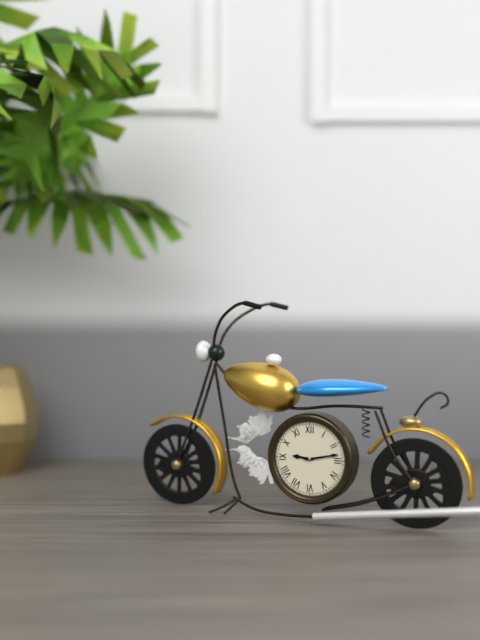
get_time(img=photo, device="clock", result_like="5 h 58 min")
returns 9 h 13 min
